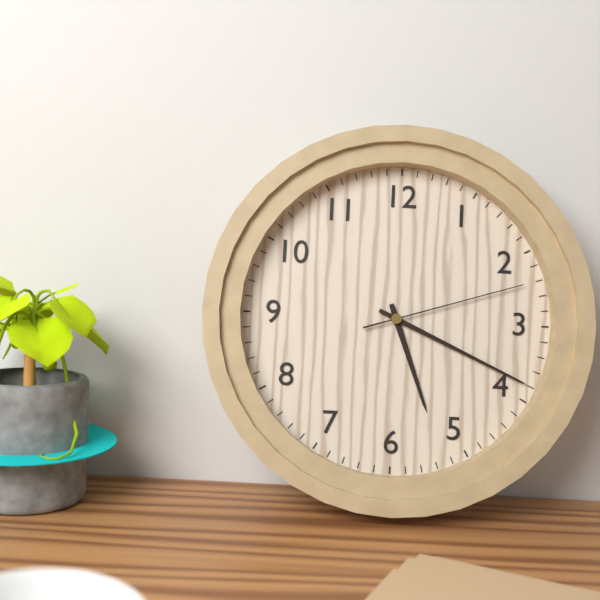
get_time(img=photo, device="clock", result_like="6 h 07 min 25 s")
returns 5 h 19 min 12 s
